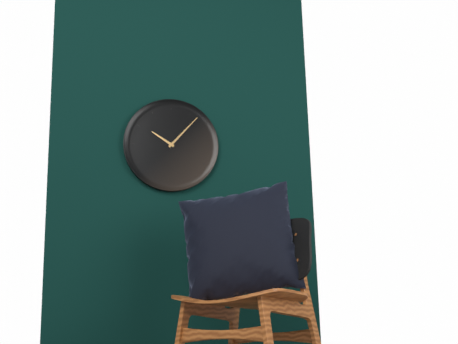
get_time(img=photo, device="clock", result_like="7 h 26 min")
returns 10 h 07 min
